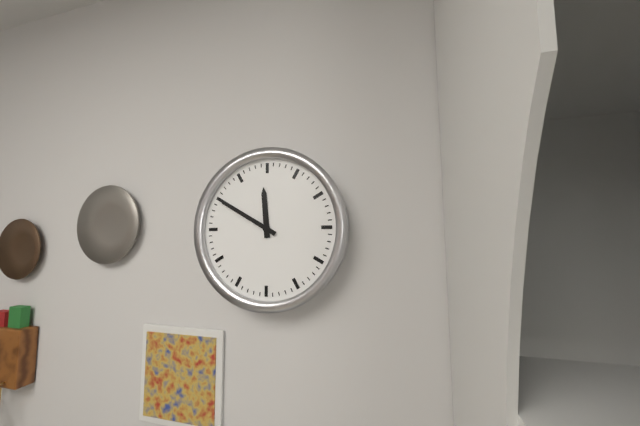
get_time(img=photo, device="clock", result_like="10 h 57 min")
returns 11 h 50 min
